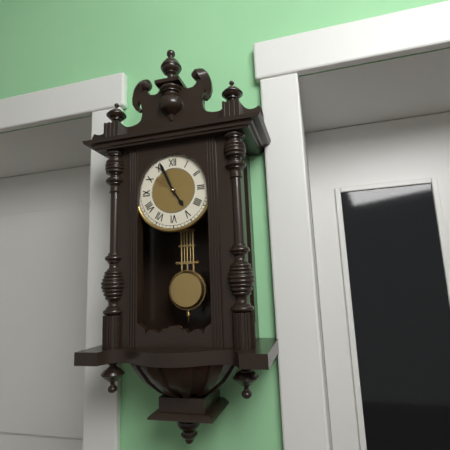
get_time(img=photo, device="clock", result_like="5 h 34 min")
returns 4 h 56 min
